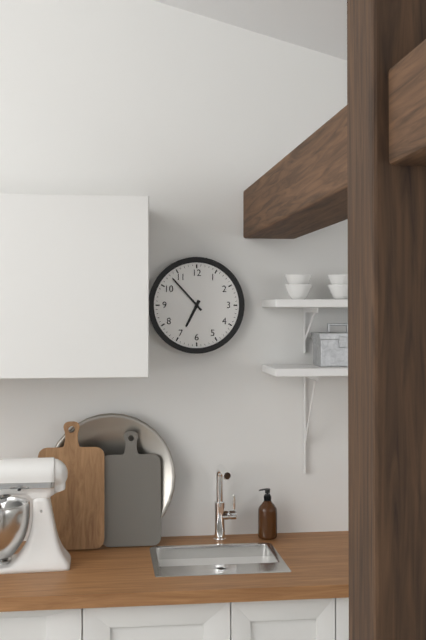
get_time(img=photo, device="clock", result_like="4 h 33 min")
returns 6 h 53 min
